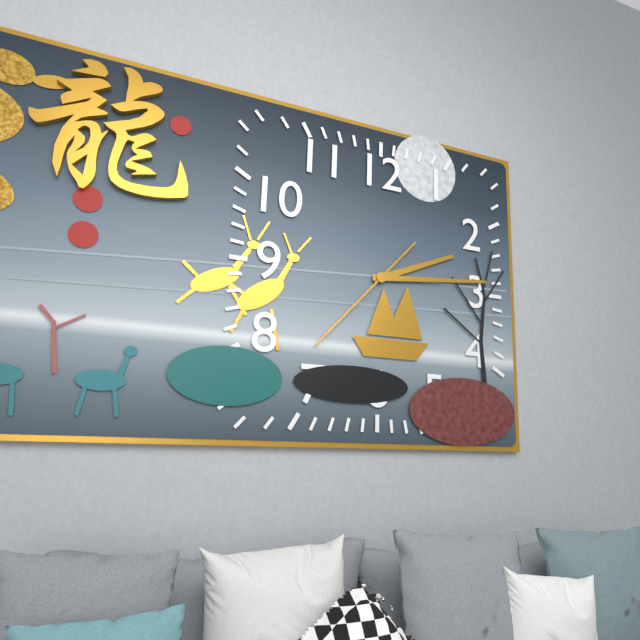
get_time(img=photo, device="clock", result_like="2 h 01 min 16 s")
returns 2 h 14 min 37 s
